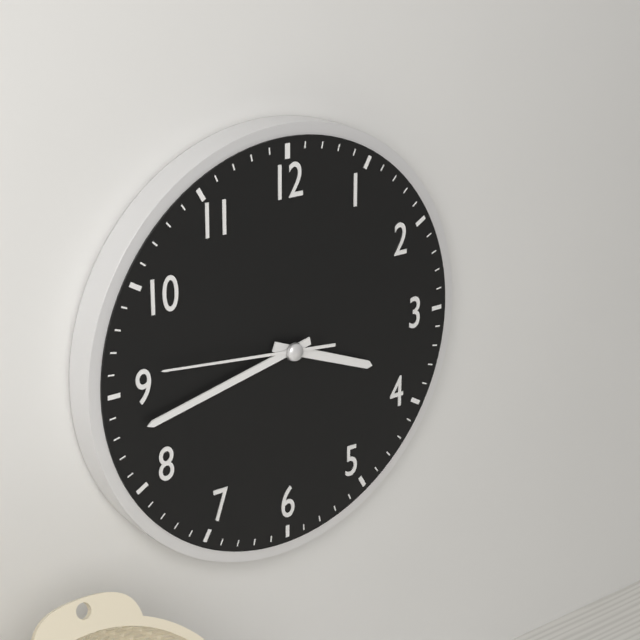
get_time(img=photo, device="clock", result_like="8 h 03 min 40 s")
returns 3 h 43 min 46 s
